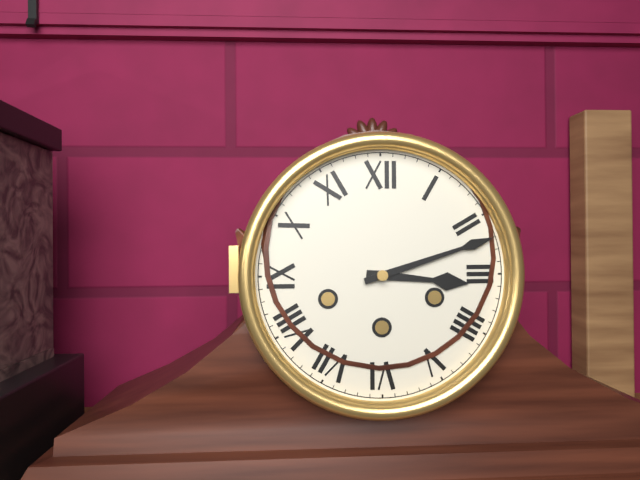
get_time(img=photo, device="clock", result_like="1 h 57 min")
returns 3 h 12 min
